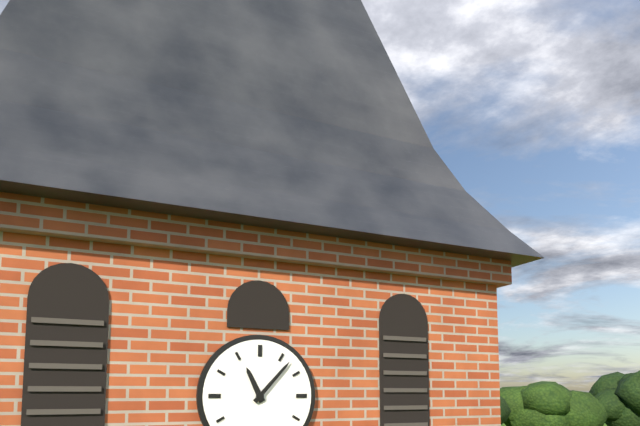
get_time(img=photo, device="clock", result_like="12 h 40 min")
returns 11 h 07 min
